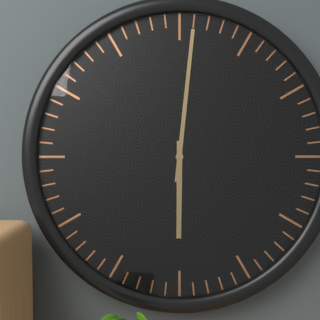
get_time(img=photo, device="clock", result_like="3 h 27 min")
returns 6 h 01 min
